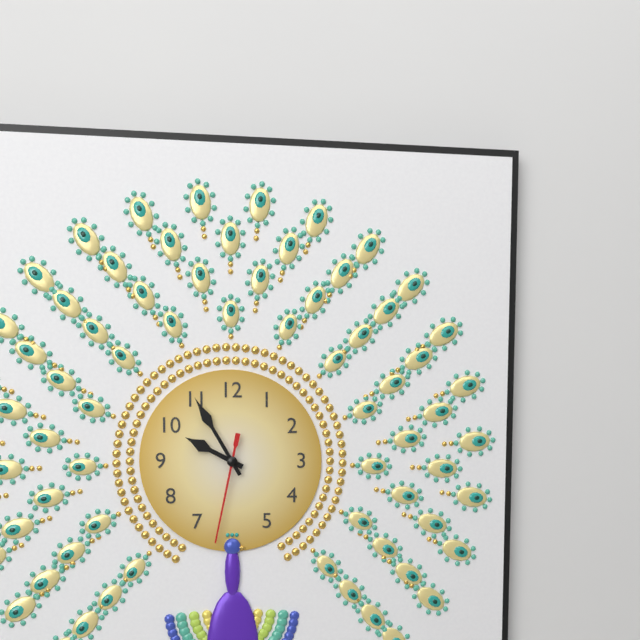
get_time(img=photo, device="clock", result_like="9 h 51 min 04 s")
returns 9 h 55 min 32 s
